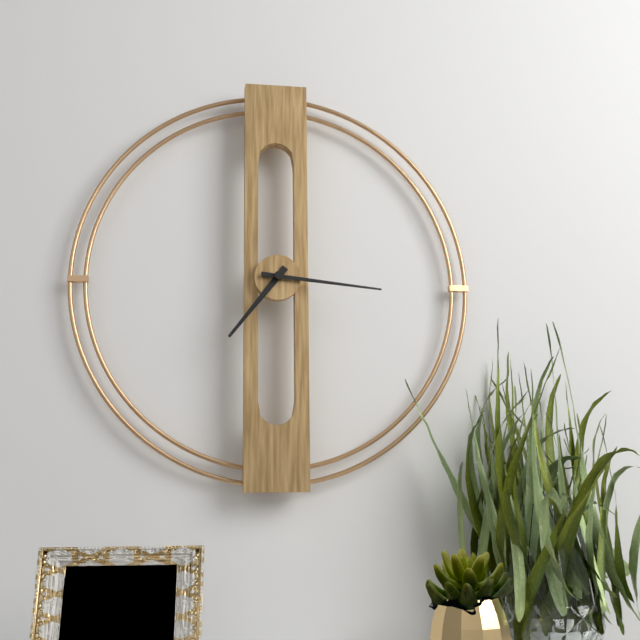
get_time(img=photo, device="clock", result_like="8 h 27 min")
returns 7 h 16 min
